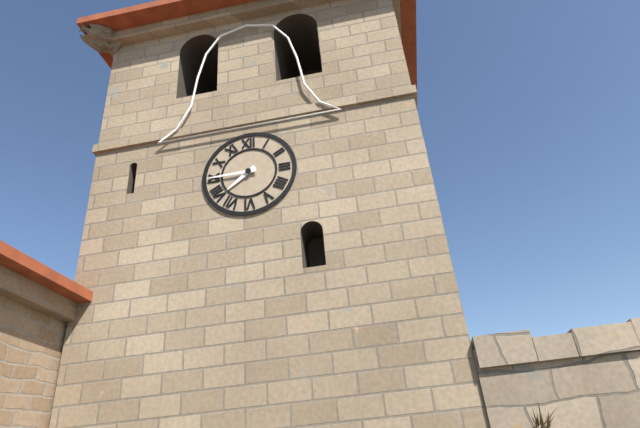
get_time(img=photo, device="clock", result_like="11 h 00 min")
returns 7 h 45 min
